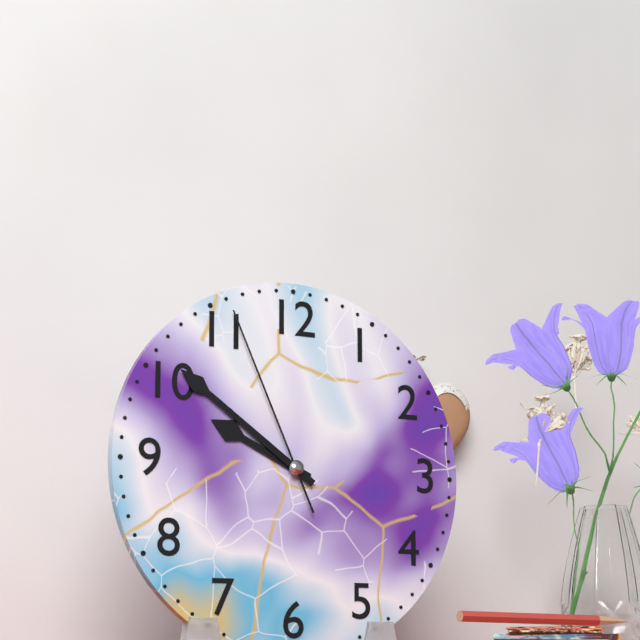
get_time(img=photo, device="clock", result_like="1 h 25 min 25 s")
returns 9 h 51 min 56 s
